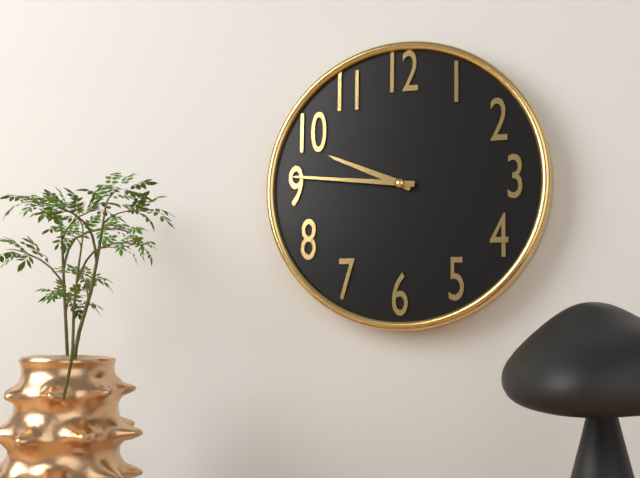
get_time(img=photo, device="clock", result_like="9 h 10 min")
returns 9 h 46 min
